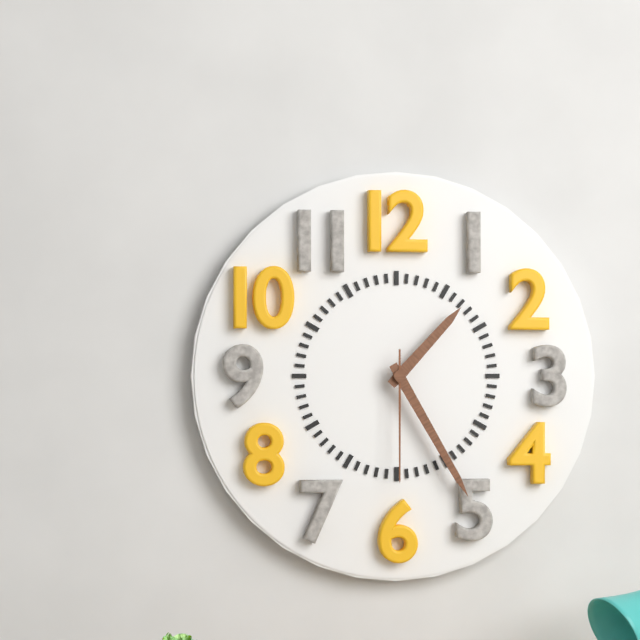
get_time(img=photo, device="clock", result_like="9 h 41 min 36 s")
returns 1 h 25 min 30 s
